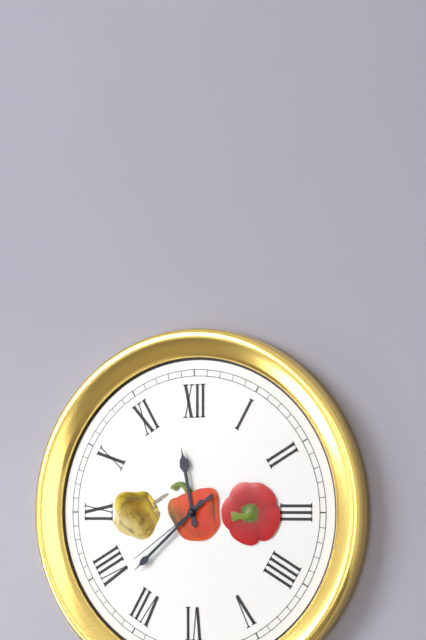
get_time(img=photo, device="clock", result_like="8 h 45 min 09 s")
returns 11 h 38 min 39 s
